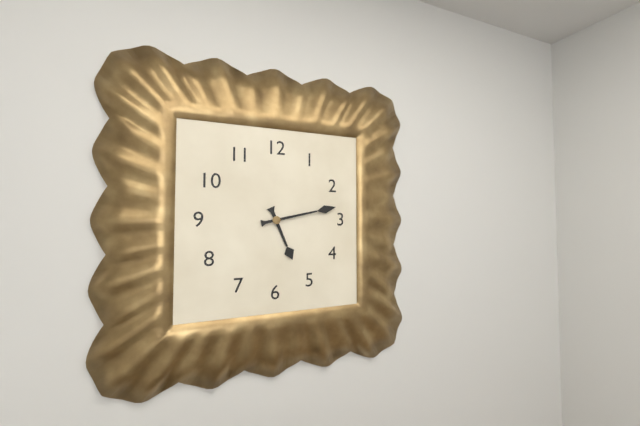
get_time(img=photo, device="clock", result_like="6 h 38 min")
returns 5 h 13 min
